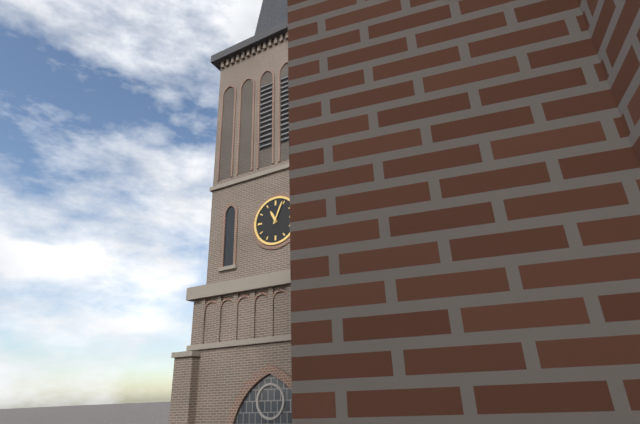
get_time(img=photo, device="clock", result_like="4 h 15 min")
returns 11 h 04 min
